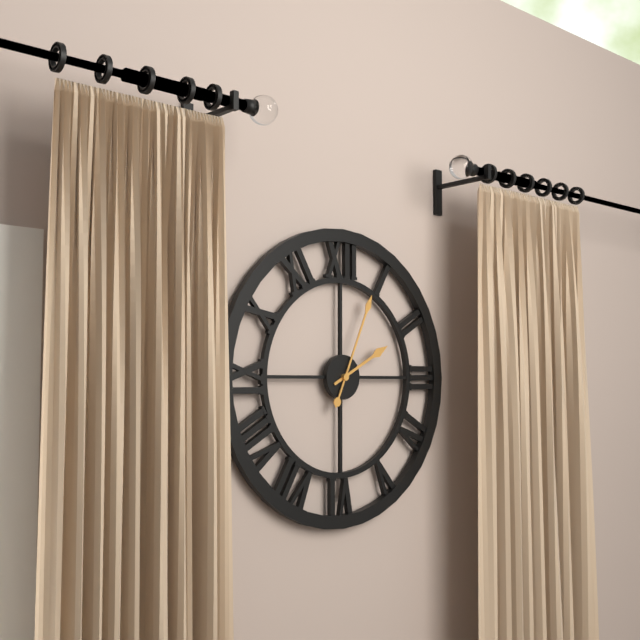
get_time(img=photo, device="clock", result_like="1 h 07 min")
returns 2 h 04 min
